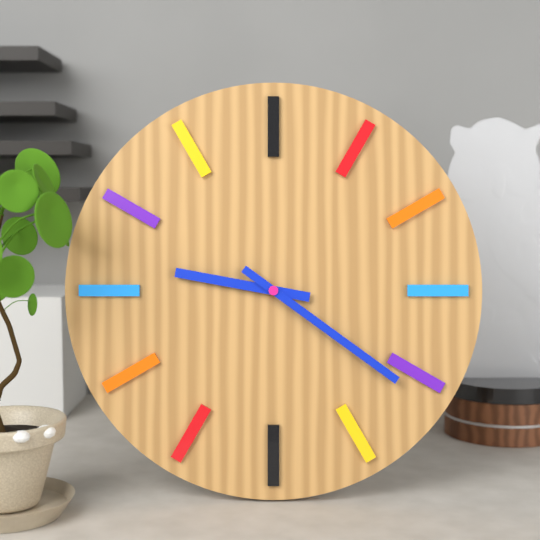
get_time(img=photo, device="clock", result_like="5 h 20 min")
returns 9 h 21 min
